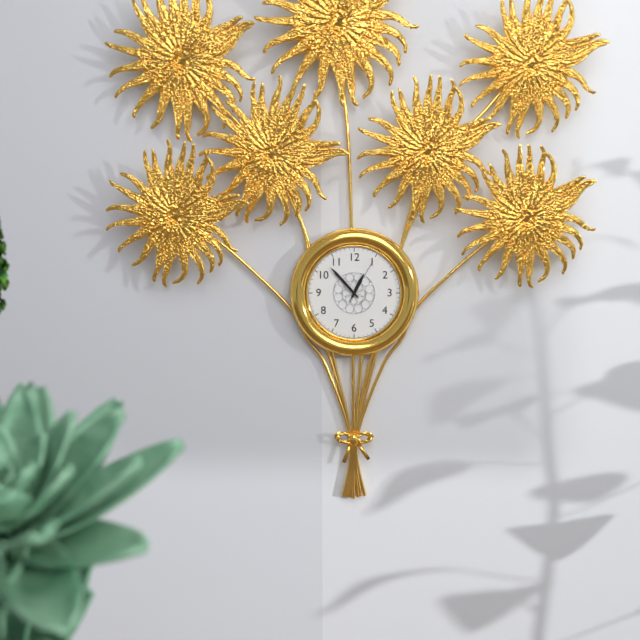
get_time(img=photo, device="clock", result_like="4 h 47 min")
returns 12 h 53 min
